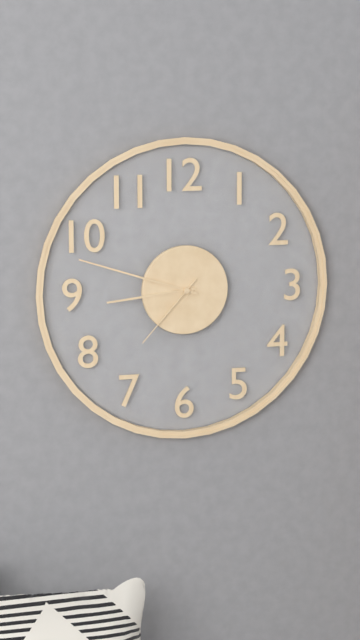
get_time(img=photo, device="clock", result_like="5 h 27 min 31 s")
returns 8 h 48 min 37 s
